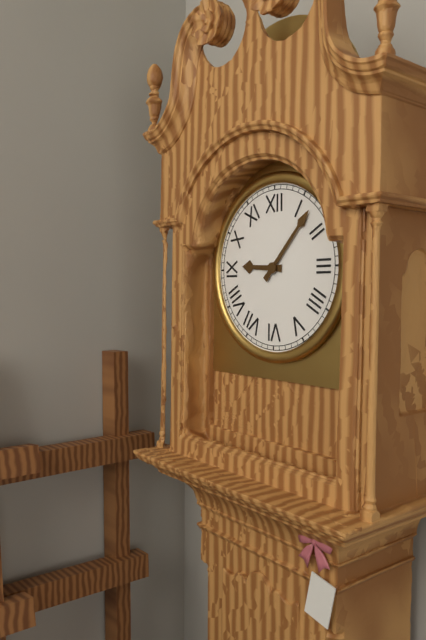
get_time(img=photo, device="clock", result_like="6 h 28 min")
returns 9 h 07 min
